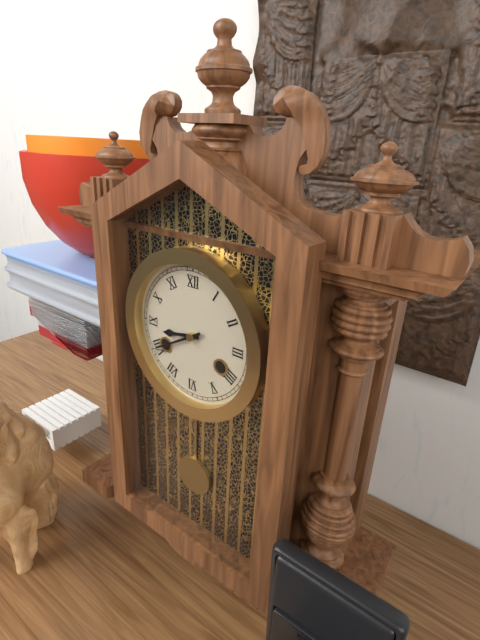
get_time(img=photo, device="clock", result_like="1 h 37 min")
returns 8 h 40 min
